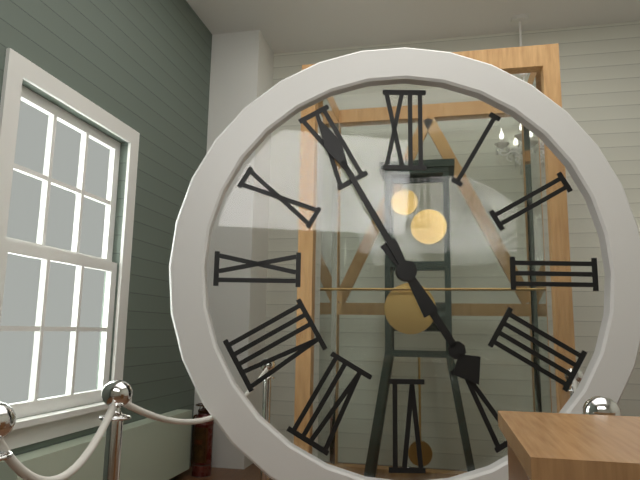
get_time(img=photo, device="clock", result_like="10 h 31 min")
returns 4 h 55 min
